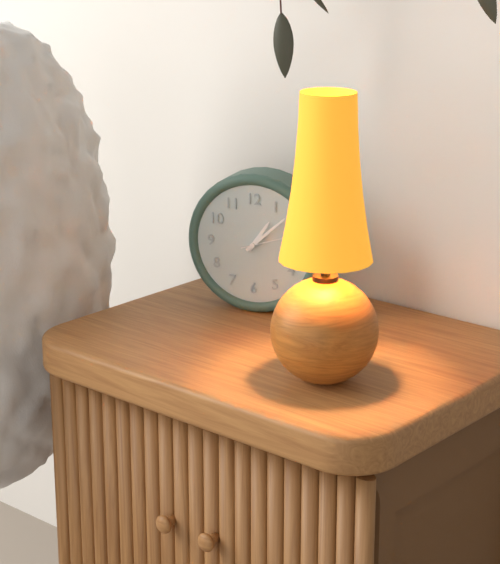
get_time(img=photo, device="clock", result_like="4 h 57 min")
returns 1 h 08 min
